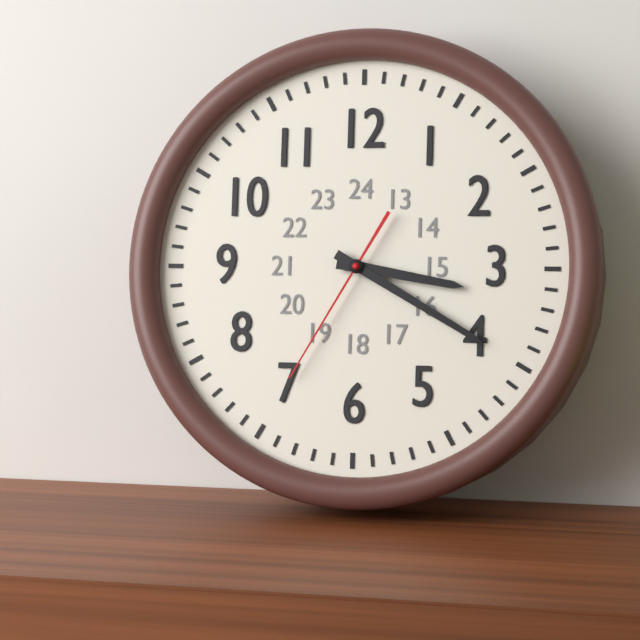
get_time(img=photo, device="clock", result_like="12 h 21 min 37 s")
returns 3 h 20 min 35 s
